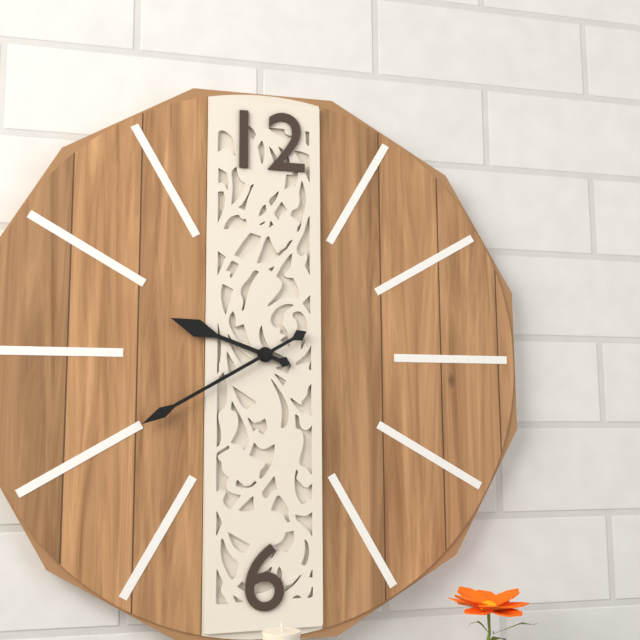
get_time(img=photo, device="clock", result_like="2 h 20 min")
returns 9 h 40 min
